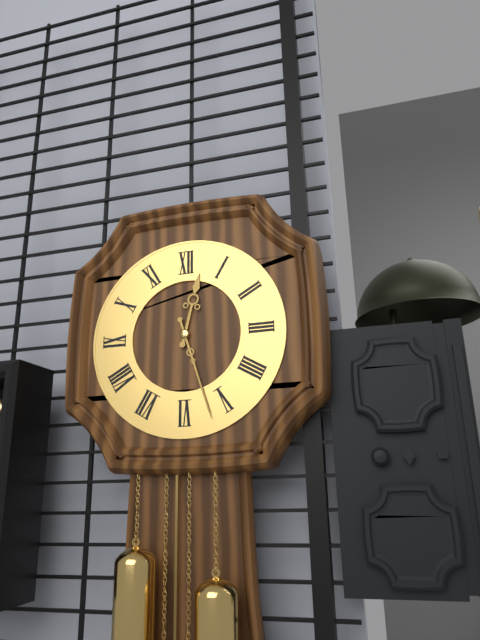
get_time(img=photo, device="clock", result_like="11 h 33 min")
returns 12 h 27 min
